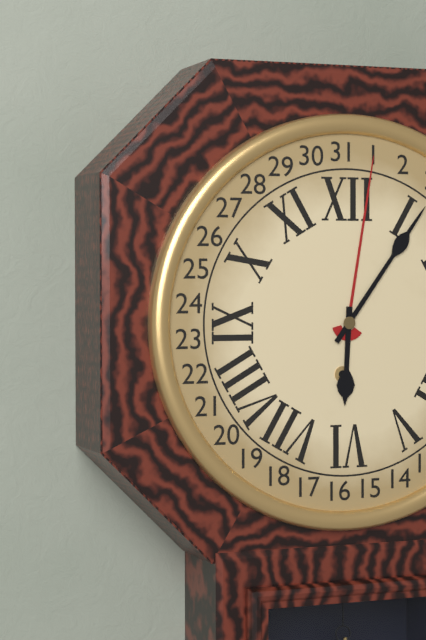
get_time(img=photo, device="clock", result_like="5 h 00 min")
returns 6 h 06 min
